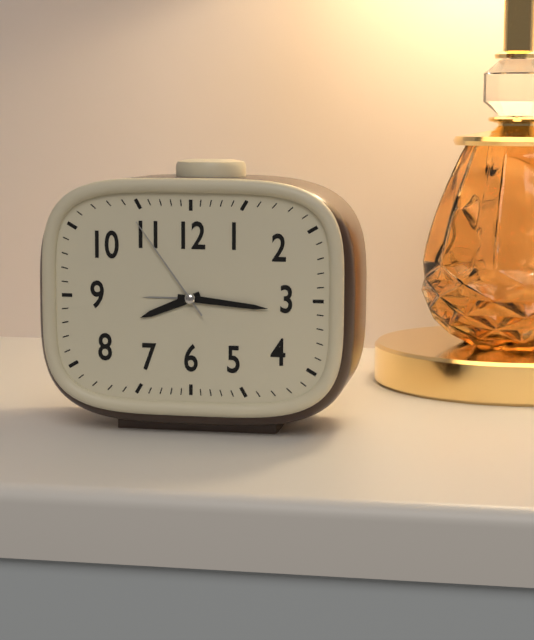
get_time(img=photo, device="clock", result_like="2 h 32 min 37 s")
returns 8 h 16 min 54 s
